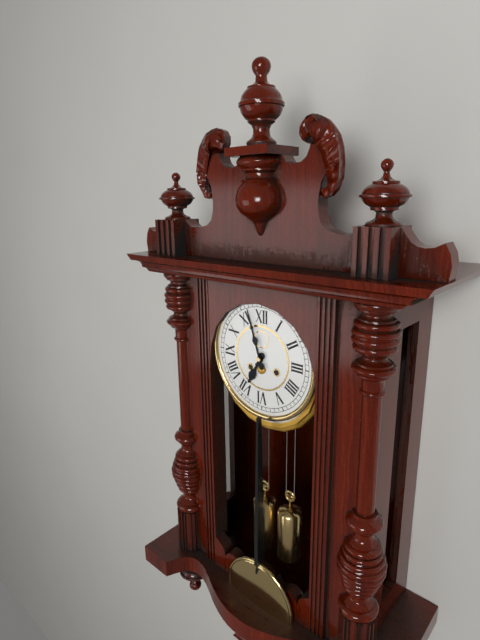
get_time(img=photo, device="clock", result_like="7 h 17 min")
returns 6 h 57 min
